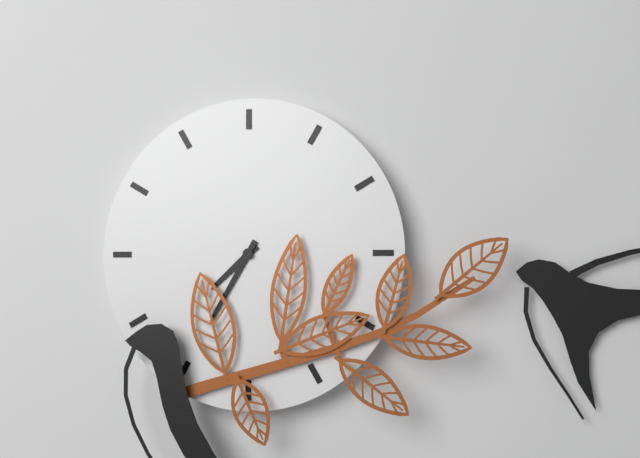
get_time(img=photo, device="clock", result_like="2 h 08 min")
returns 7 h 35 min
